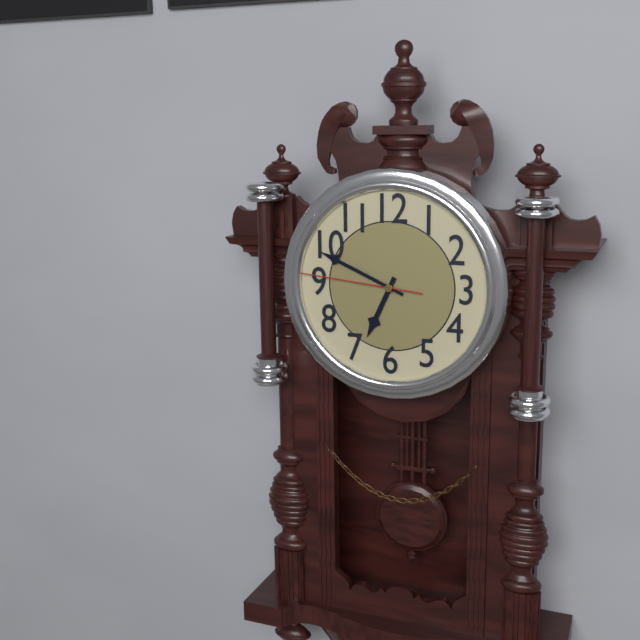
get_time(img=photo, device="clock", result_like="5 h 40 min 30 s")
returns 6 h 49 min 46 s
